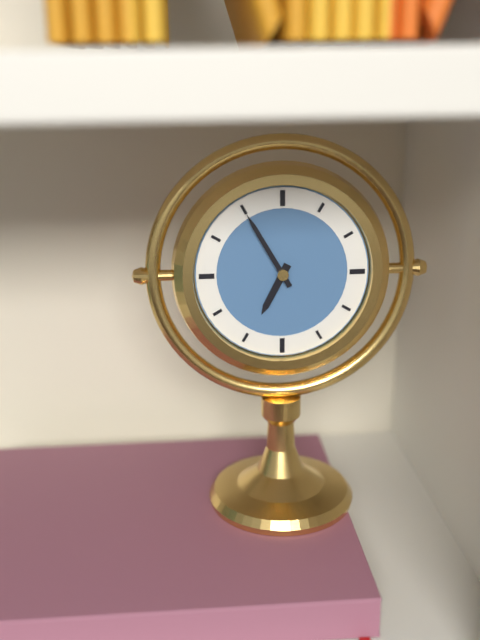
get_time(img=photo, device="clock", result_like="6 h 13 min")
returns 6 h 55 min
